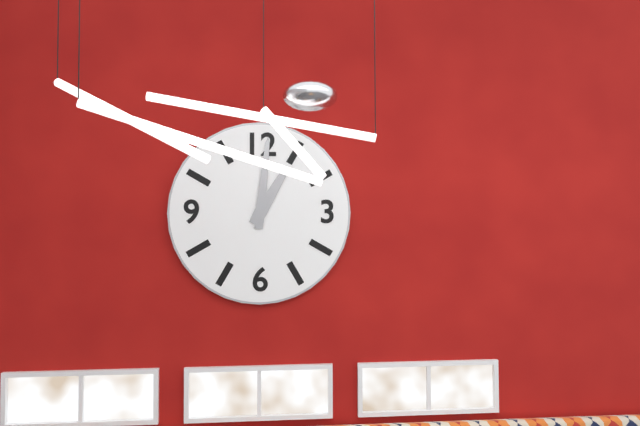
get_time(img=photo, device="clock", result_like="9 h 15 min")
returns 1 h 01 min
